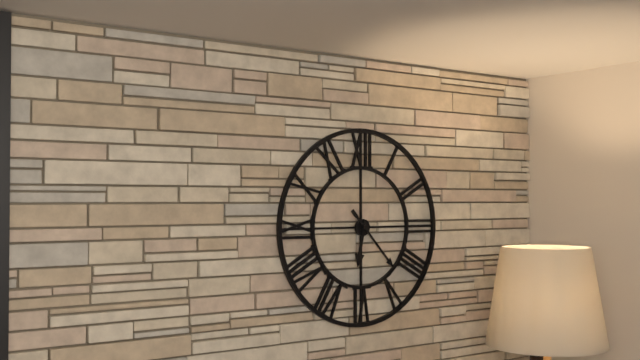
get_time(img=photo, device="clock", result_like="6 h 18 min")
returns 6 h 23 min
